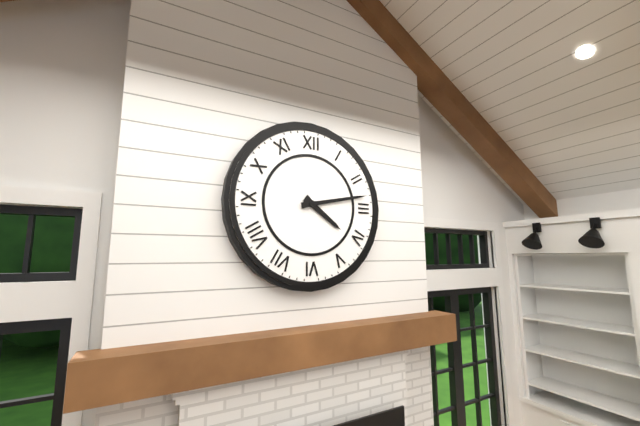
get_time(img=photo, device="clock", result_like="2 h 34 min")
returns 4 h 13 min
